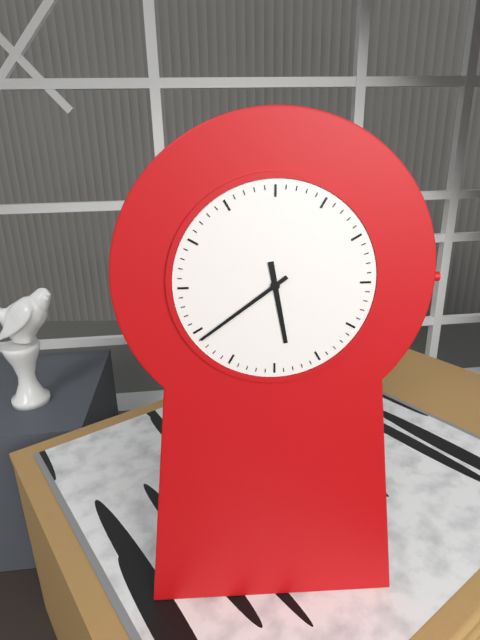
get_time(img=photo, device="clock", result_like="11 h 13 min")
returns 5 h 39 min
